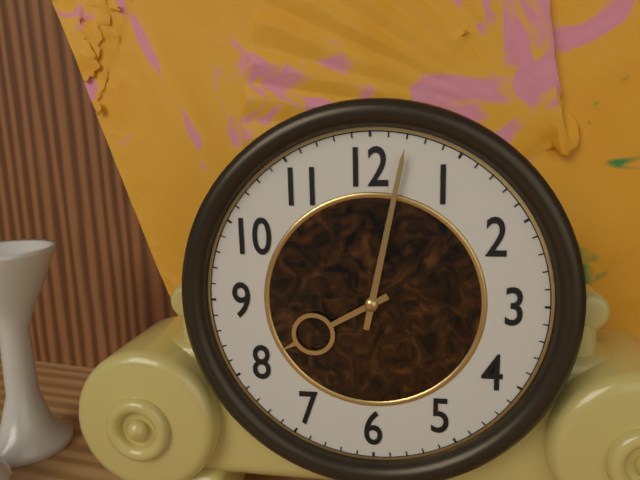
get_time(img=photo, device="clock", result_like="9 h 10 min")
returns 8 h 02 min
